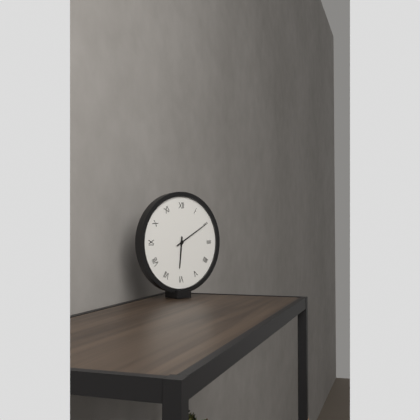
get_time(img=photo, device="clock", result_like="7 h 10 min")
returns 6 h 10 min
